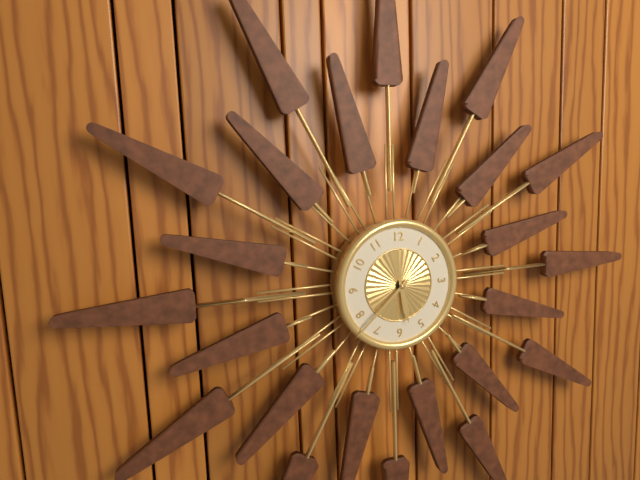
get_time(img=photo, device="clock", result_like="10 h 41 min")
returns 5 h 38 min
